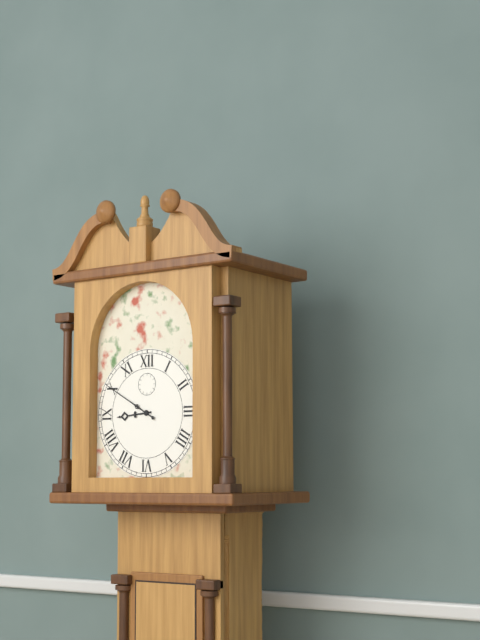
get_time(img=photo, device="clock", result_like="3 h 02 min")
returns 8 h 50 min
